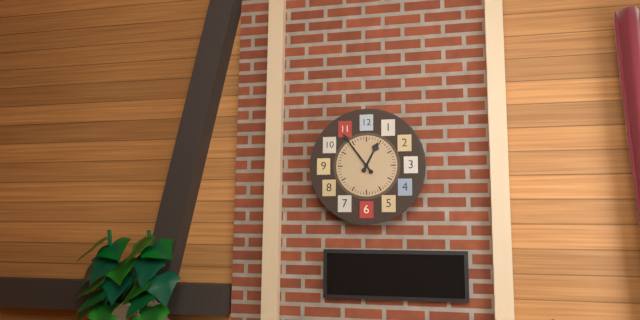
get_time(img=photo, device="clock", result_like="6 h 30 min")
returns 12 h 54 min
